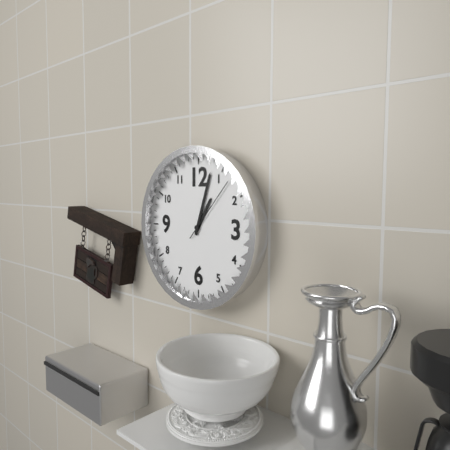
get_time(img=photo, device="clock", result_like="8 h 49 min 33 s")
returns 1 h 03 min 07 s
